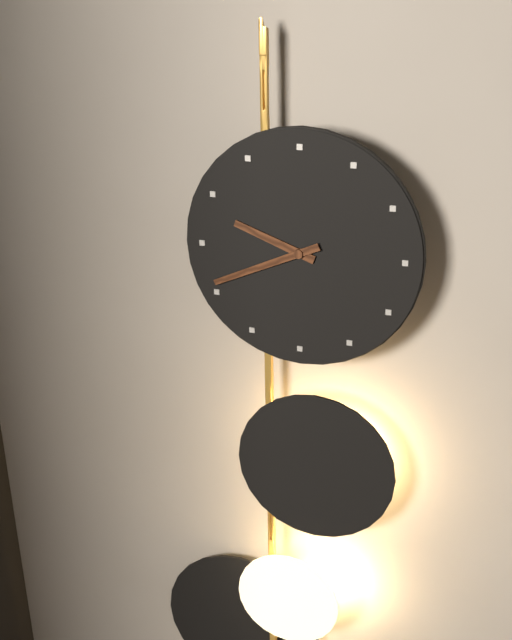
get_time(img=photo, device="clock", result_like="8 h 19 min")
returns 9 h 41 min
